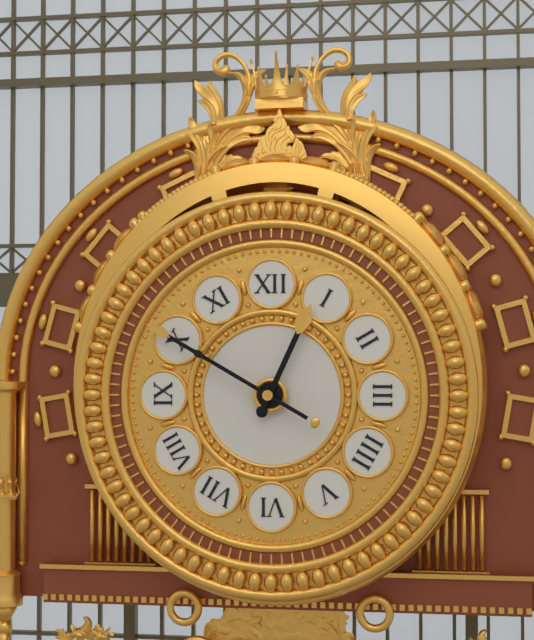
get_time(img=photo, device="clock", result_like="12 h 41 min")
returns 12 h 50 min
